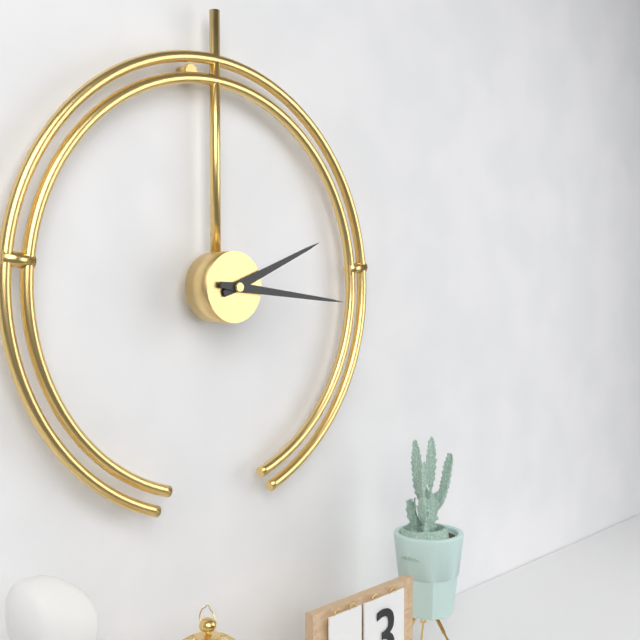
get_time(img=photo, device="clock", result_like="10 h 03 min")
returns 2 h 16 min
